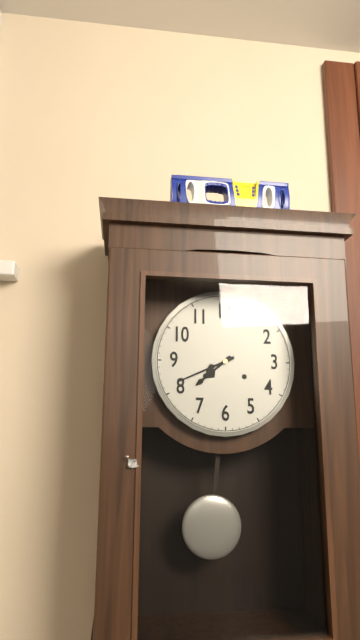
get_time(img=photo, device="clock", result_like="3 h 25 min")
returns 7 h 41 min
